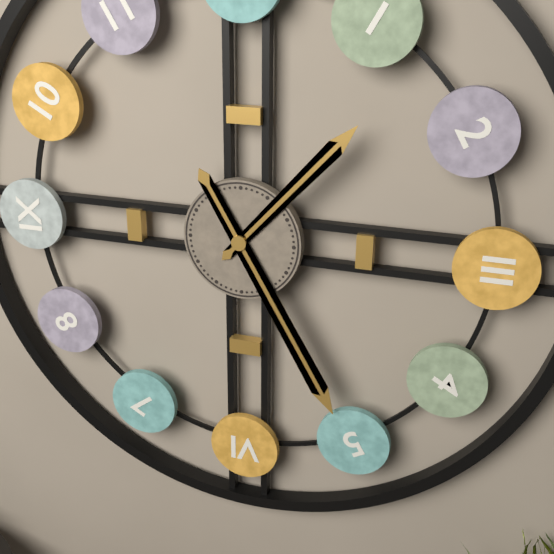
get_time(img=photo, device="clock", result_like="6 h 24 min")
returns 1 h 25 min
